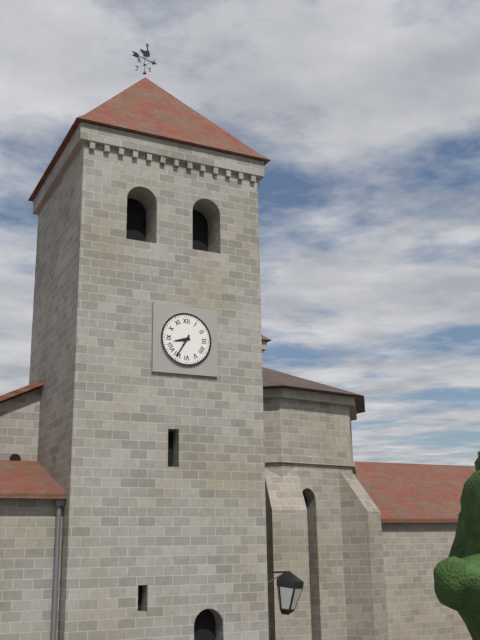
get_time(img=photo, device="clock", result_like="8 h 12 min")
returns 8 h 35 min
